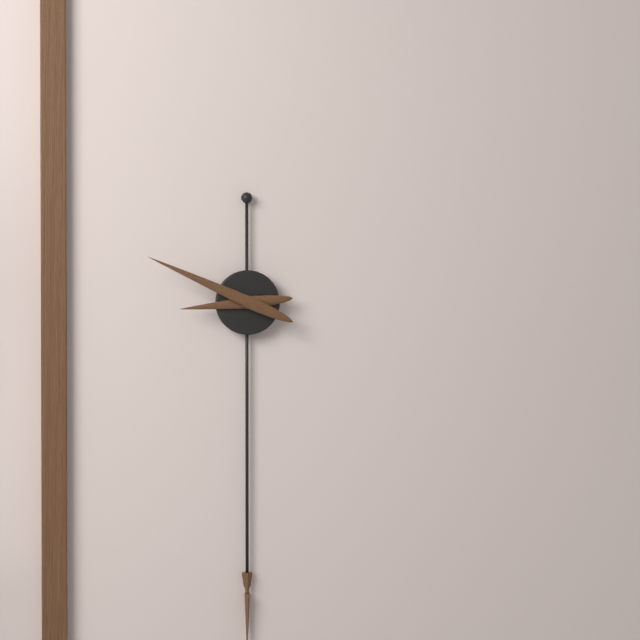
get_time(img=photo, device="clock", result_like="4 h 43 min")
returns 8 h 49 min
